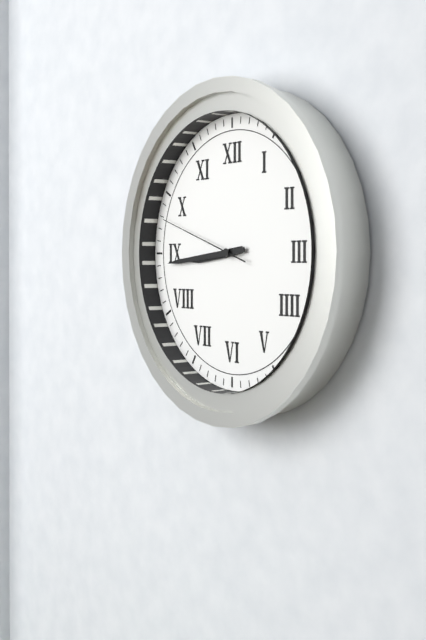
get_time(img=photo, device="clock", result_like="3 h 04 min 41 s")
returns 8 h 44 min 48 s
